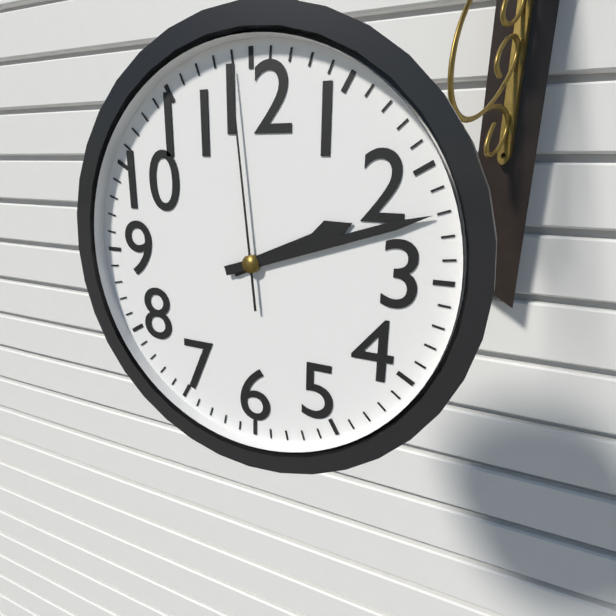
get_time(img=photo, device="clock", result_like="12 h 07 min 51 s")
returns 2 h 12 min 59 s
